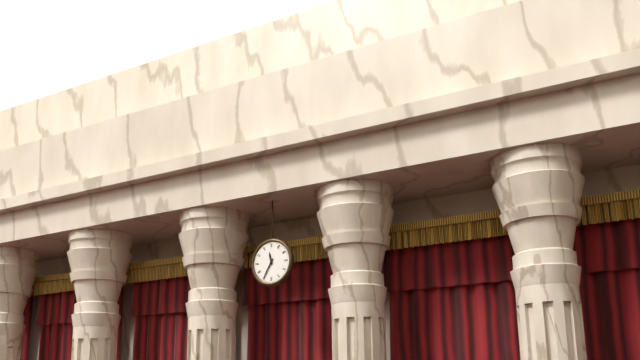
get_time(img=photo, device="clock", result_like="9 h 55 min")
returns 11 h 35 min
